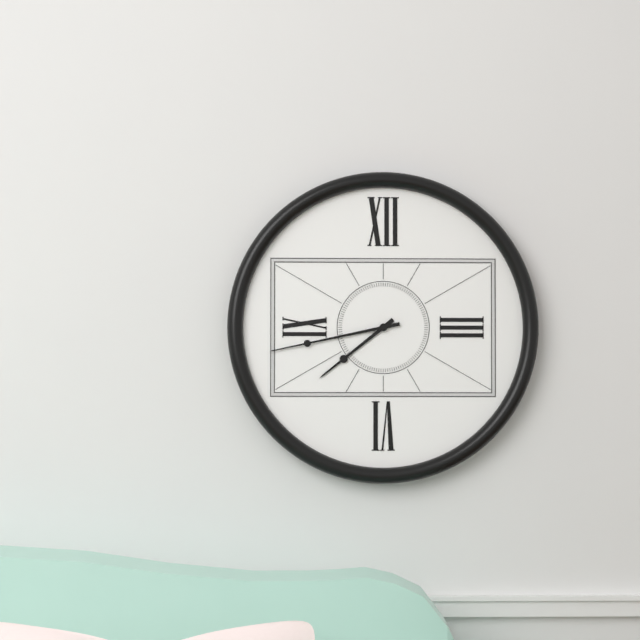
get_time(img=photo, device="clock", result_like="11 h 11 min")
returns 7 h 43 min
